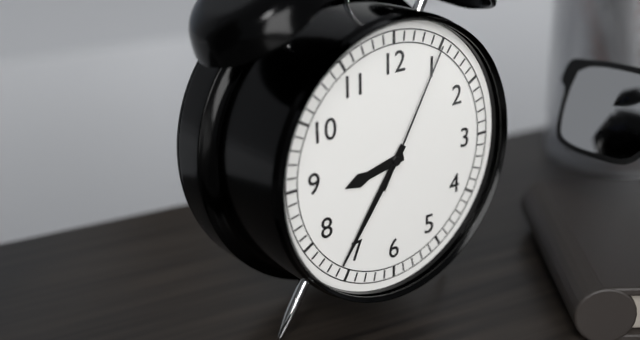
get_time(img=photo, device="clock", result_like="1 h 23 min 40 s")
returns 8 h 36 min 05 s
